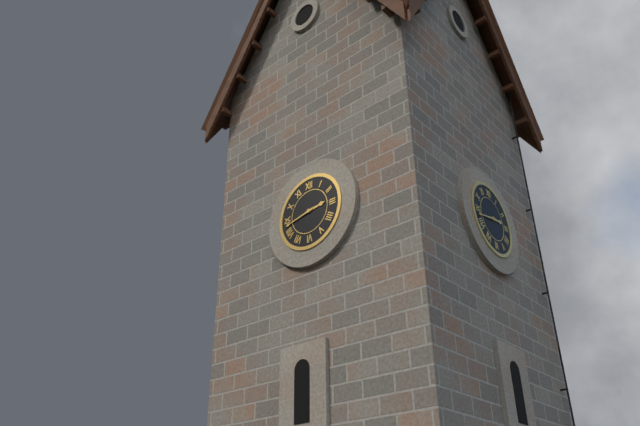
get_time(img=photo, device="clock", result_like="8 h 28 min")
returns 2 h 43 min
